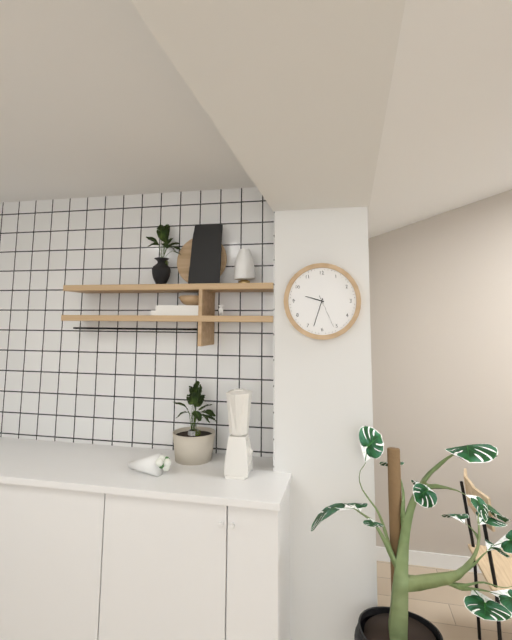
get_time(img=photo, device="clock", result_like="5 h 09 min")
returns 9 h 33 min
